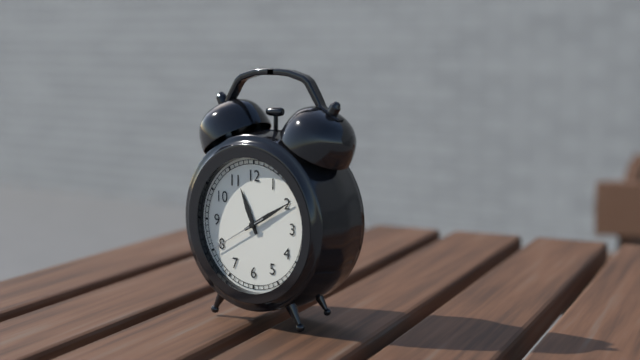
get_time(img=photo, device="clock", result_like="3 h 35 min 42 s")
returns 11 h 10 min 40 s
